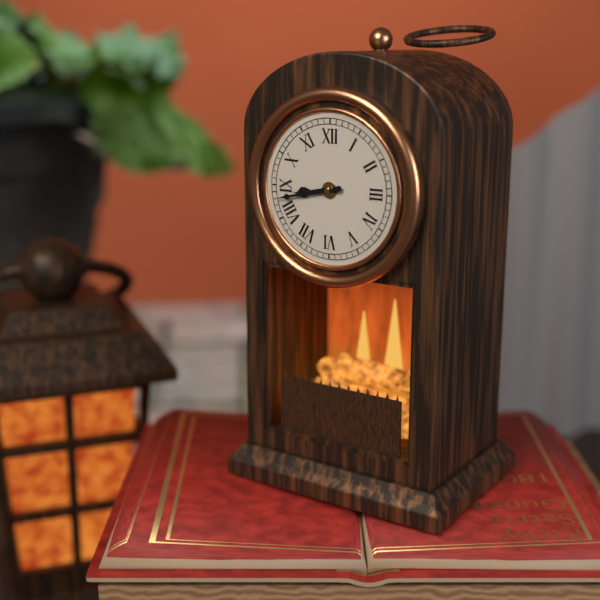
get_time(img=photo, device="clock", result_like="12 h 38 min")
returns 8 h 43 min
